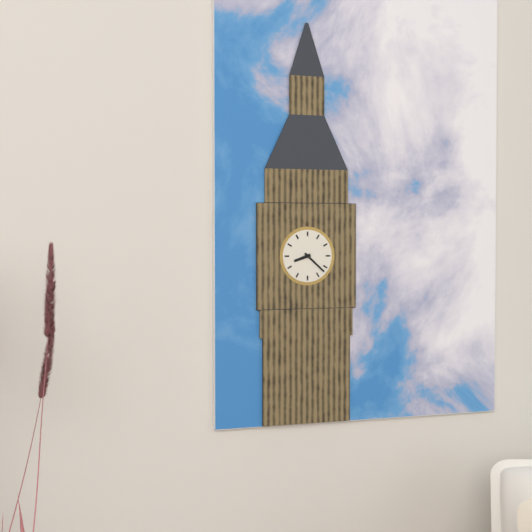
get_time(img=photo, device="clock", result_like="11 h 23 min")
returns 8 h 22 min
